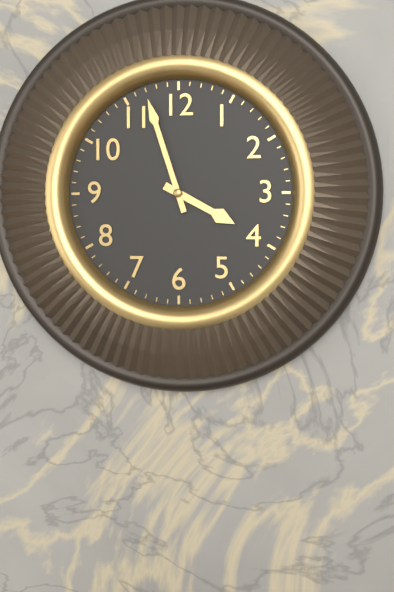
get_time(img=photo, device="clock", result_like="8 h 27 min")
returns 3 h 57 min
